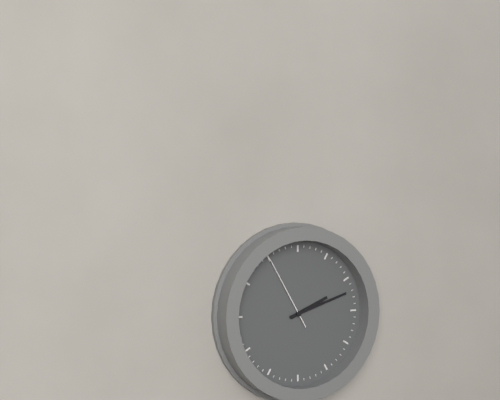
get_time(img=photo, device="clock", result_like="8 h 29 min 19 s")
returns 2 h 12 min 55 s
